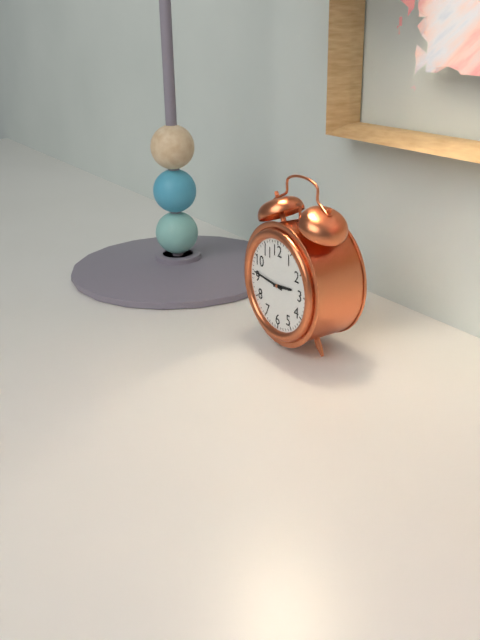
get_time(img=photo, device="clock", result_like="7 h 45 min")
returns 2 h 46 min
